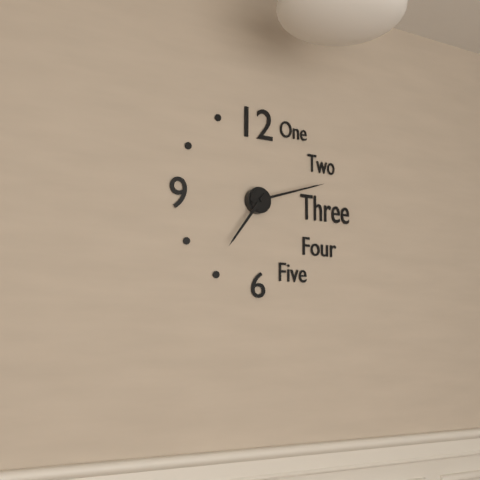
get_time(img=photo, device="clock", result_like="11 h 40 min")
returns 7 h 12 min
